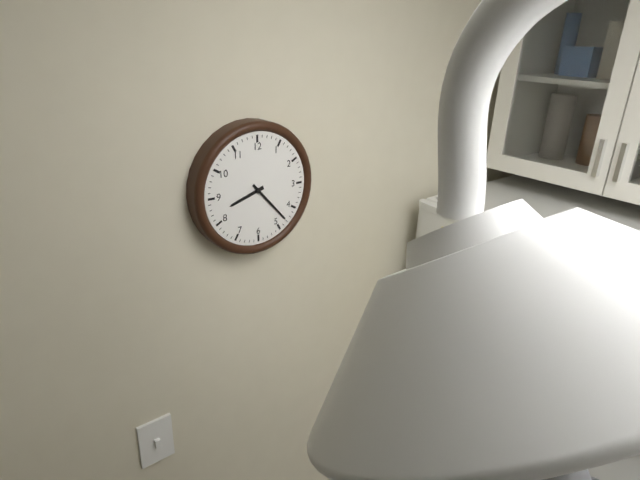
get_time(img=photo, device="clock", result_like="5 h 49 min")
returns 8 h 23 min
